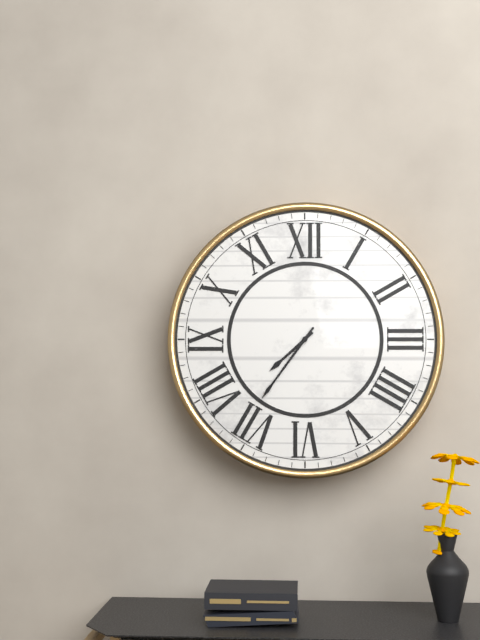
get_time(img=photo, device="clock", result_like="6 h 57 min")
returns 7 h 36 min
